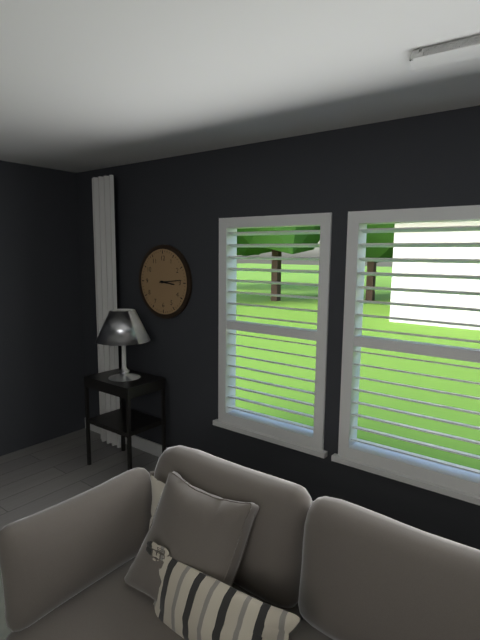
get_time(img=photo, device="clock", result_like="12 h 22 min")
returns 3 h 14 min
